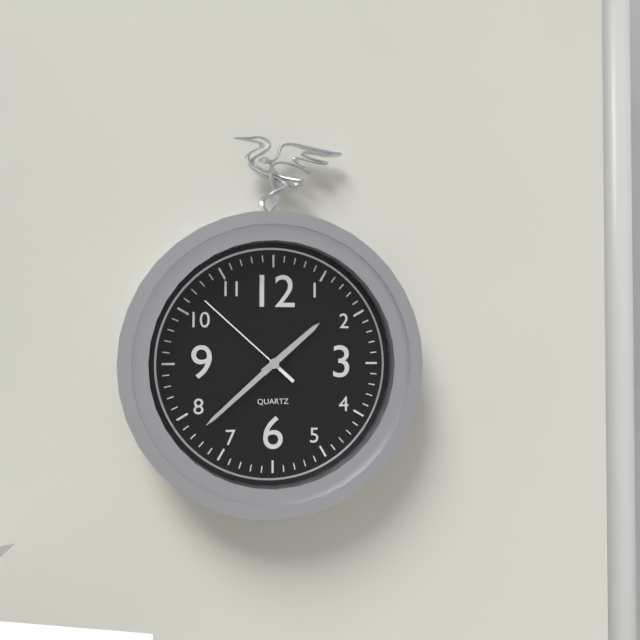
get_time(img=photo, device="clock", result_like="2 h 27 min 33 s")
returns 1 h 38 min 52 s
